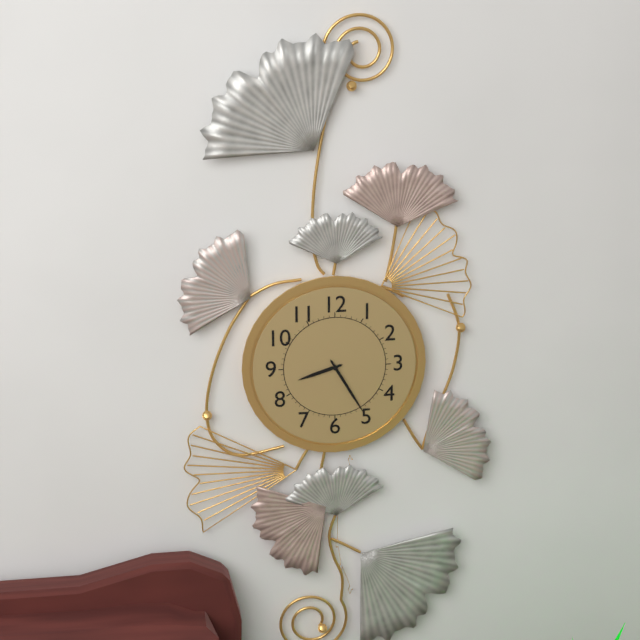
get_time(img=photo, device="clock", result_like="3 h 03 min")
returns 8 h 25 min
